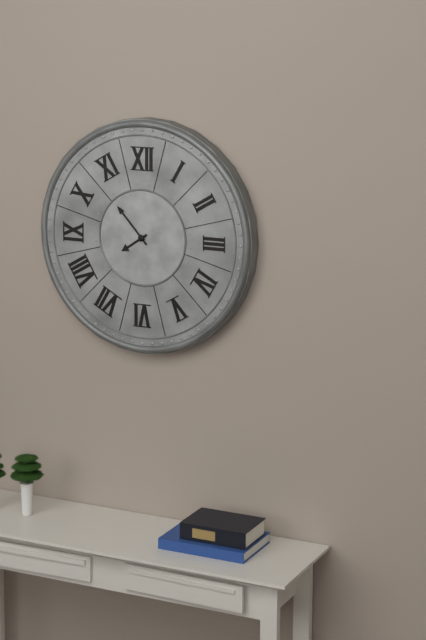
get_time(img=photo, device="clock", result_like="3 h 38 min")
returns 7 h 53 min
